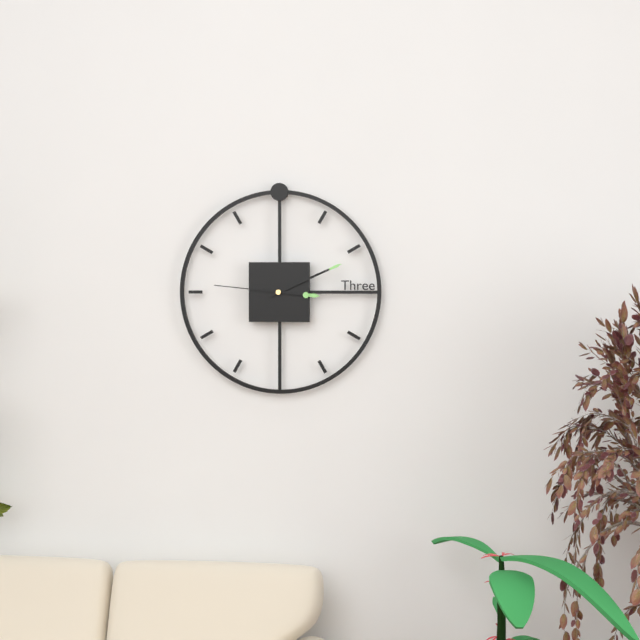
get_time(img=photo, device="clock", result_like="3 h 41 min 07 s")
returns 3 h 11 min 46 s
